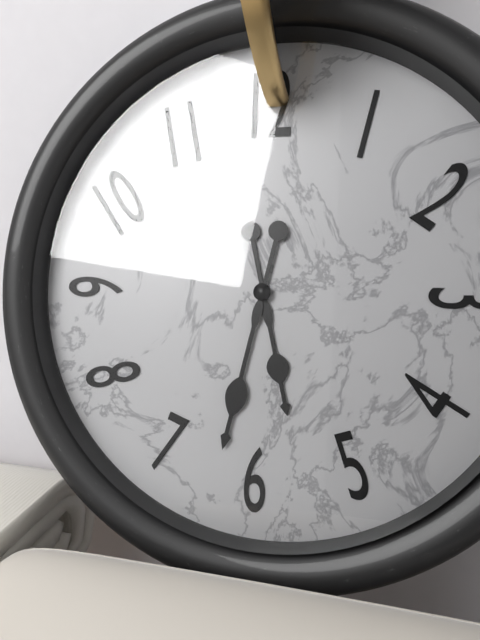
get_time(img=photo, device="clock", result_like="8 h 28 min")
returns 5 h 32 min
